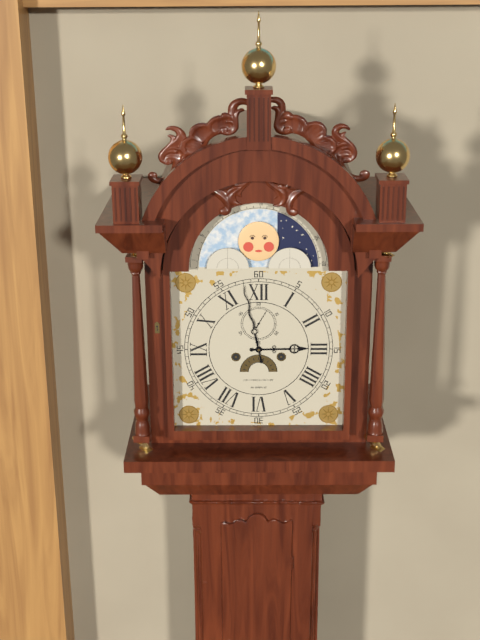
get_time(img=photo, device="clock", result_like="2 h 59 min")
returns 2 h 58 min
